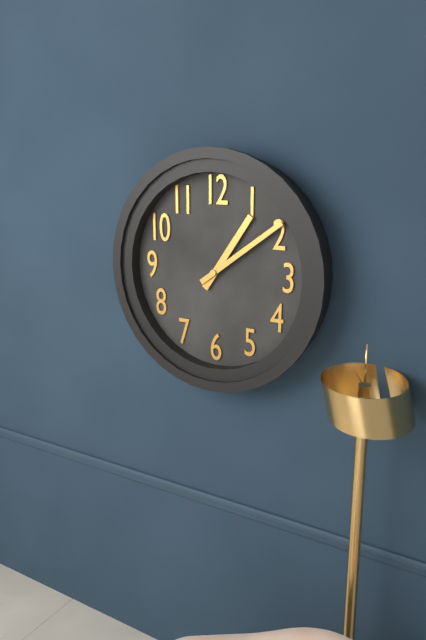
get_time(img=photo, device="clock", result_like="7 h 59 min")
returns 1 h 09 min
